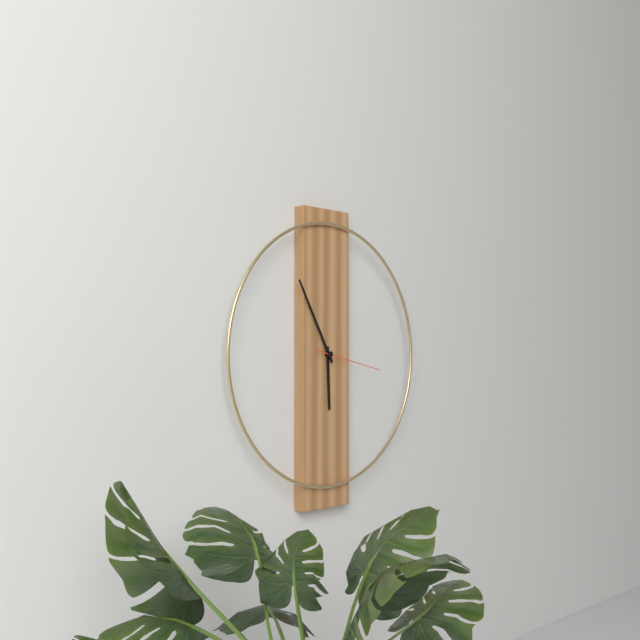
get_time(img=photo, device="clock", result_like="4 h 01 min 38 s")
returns 5 h 55 min 17 s
